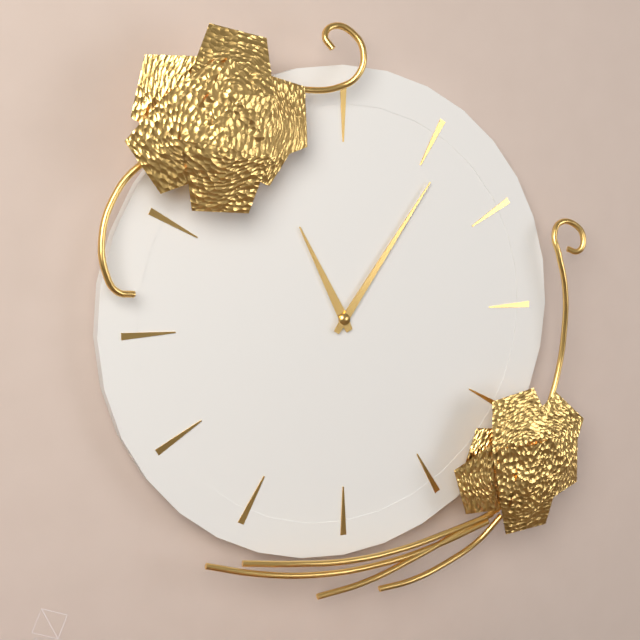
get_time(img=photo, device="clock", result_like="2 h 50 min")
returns 11 h 06 min
